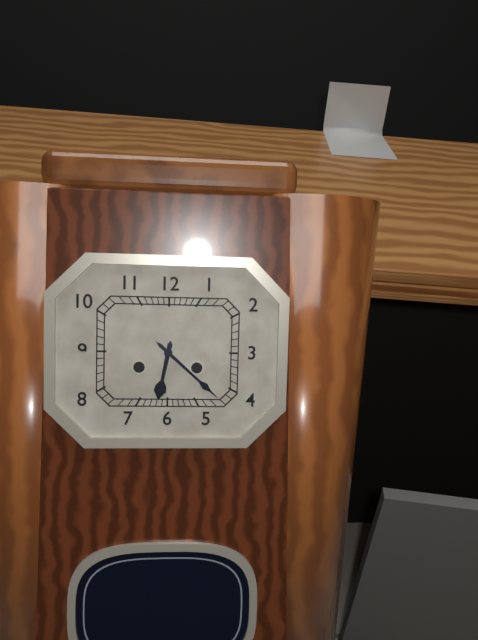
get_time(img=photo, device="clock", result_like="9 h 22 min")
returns 6 h 22 min
